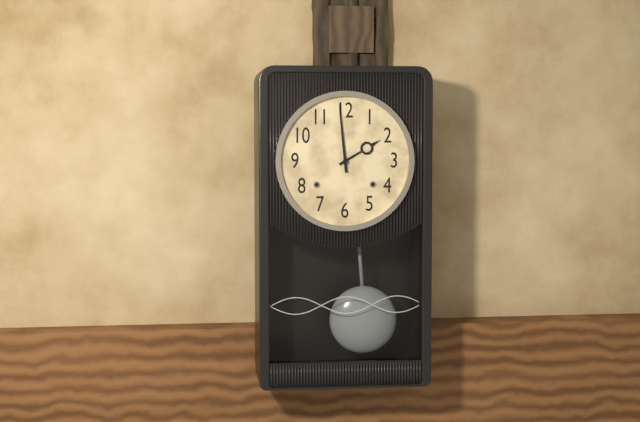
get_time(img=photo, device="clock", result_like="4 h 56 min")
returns 1 h 59 min
